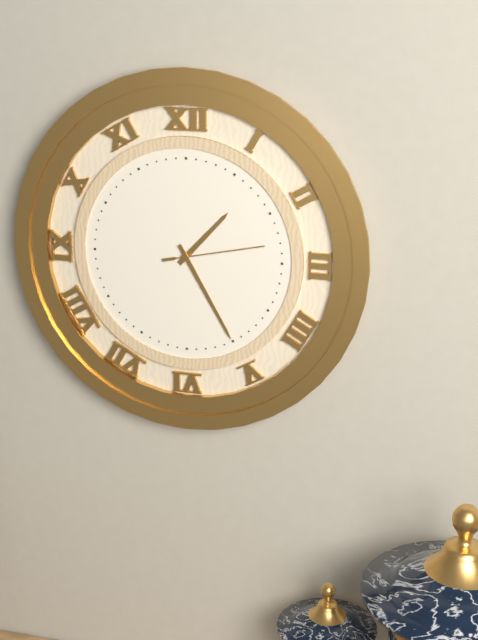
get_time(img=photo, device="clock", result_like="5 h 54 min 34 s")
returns 1 h 25 min 13 s
